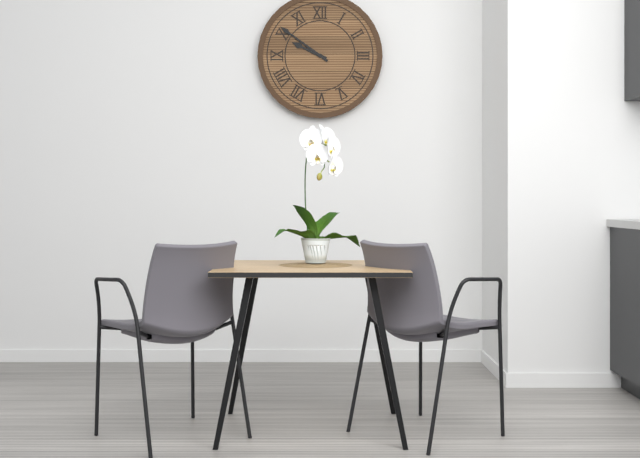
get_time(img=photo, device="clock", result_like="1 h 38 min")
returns 9 h 51 min
